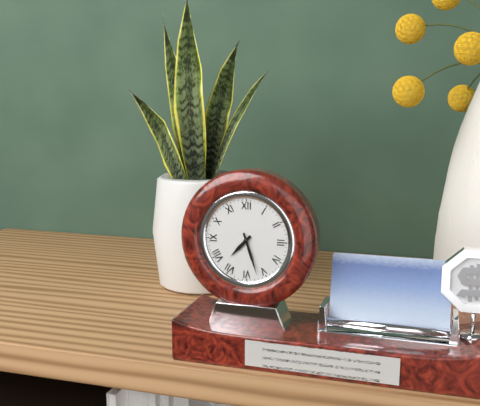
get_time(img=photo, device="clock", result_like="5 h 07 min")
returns 7 h 27 min
